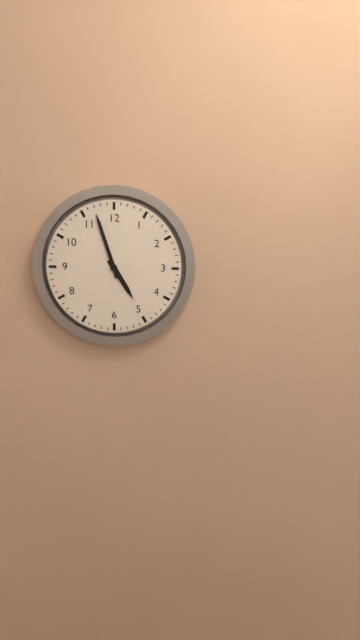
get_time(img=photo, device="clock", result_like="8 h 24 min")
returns 4 h 57 min
